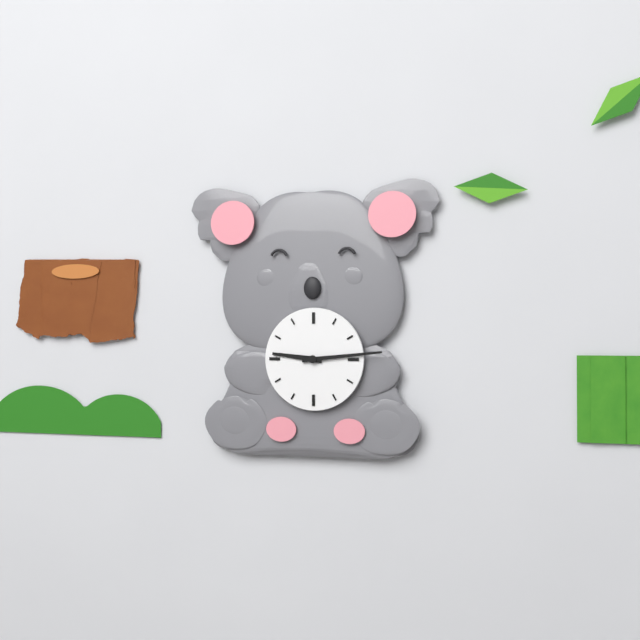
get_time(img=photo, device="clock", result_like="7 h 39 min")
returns 9 h 14 min
